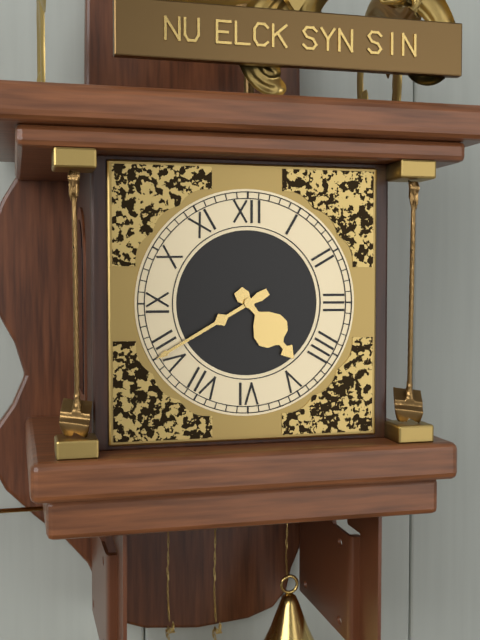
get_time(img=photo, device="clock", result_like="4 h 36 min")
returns 4 h 40 min
